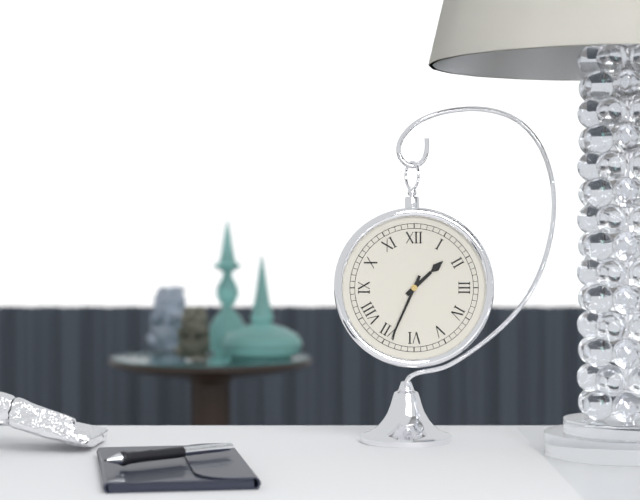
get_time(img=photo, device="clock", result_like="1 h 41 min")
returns 1 h 34 min
